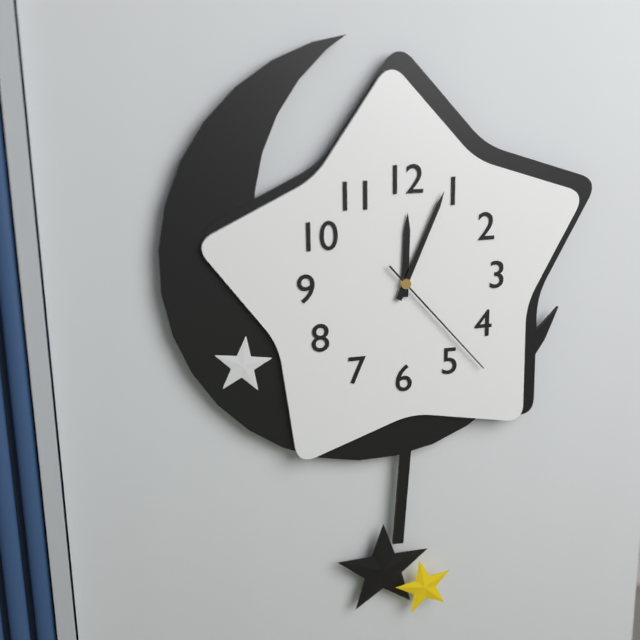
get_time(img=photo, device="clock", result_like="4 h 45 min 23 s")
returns 12 h 04 min 23 s
